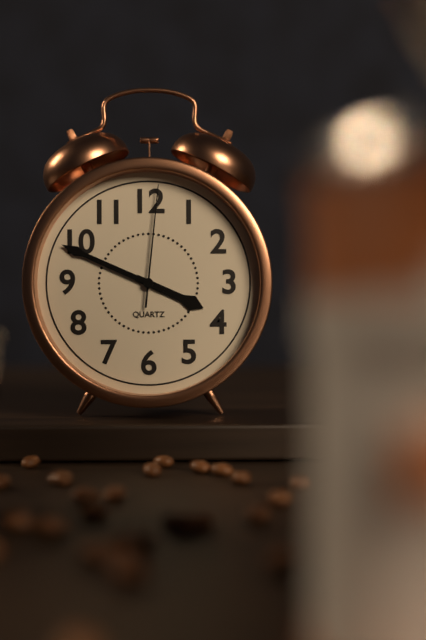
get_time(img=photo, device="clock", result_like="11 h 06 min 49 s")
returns 3 h 49 min 01 s
